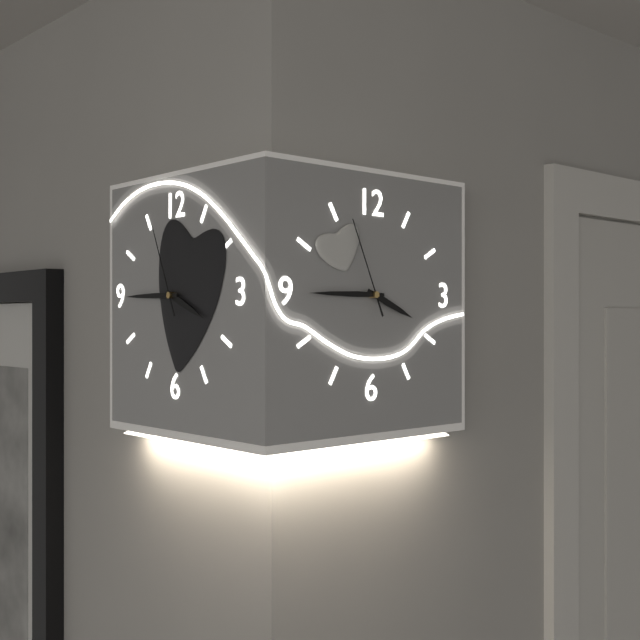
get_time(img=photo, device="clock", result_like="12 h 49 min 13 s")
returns 3 h 45 min 56 s
